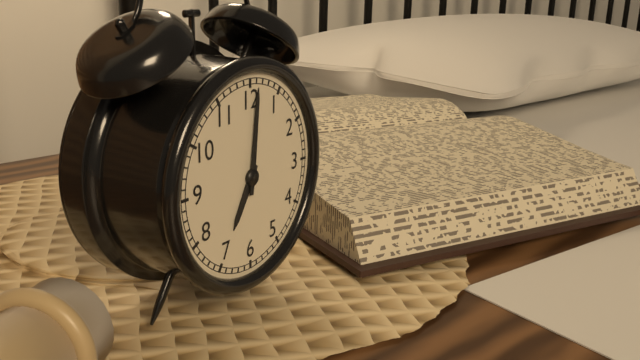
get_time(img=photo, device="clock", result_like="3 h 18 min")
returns 7 h 01 min
